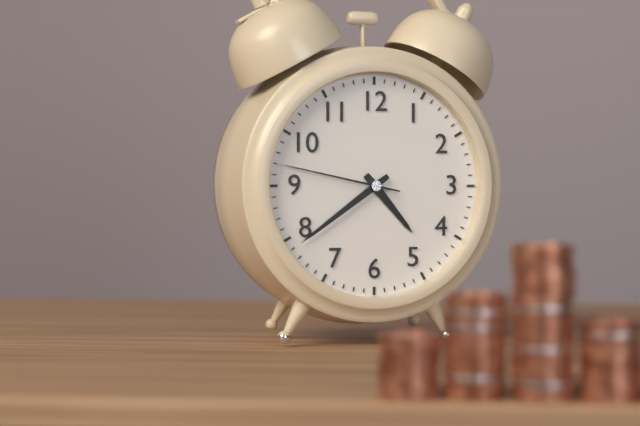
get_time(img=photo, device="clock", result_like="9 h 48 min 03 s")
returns 4 h 39 min 47 s
